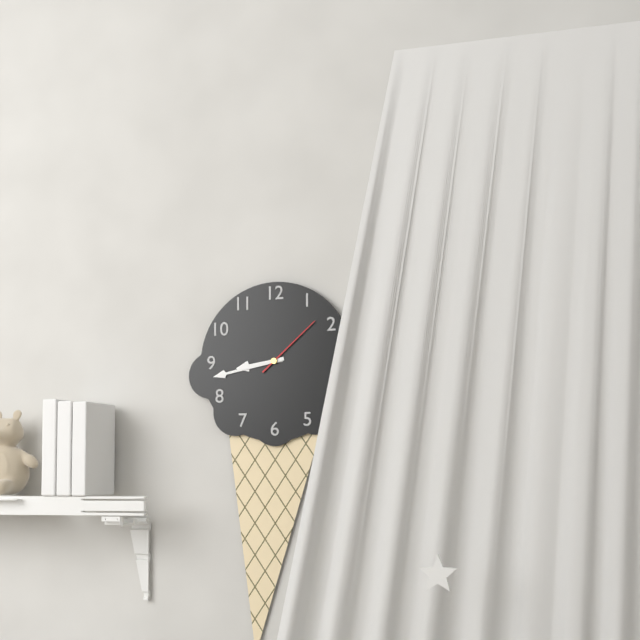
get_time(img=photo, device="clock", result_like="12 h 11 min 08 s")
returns 8 h 43 min 08 s
